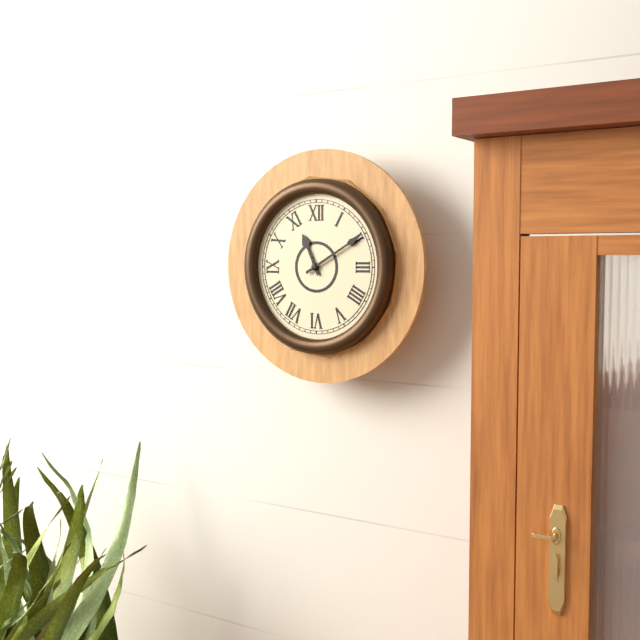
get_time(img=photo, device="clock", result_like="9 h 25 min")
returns 11 h 10 min
